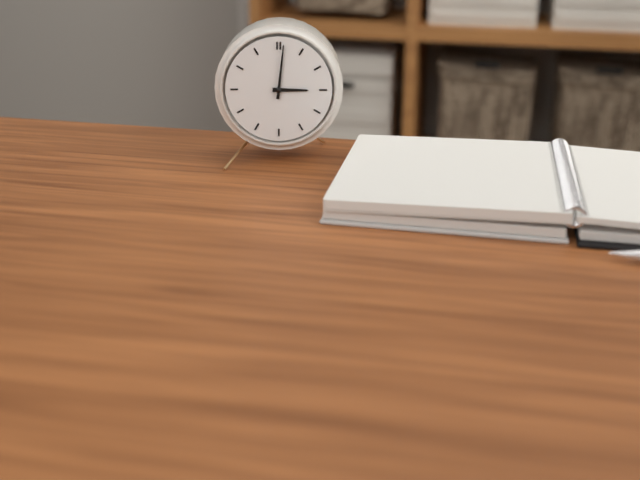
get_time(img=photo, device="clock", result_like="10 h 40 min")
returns 3 h 01 min
